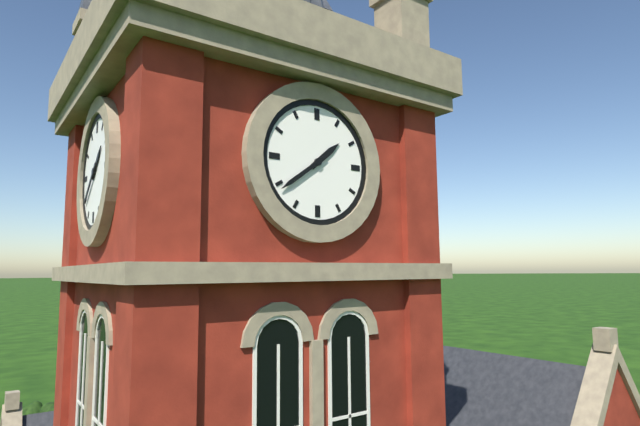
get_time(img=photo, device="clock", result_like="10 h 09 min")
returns 1 h 39 min
